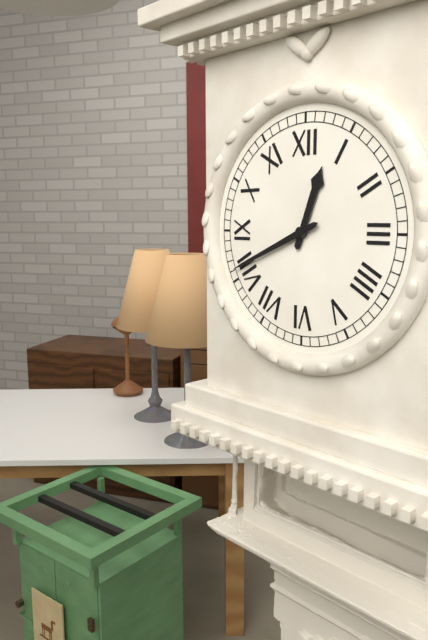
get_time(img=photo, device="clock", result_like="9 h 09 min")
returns 12 h 41 min
